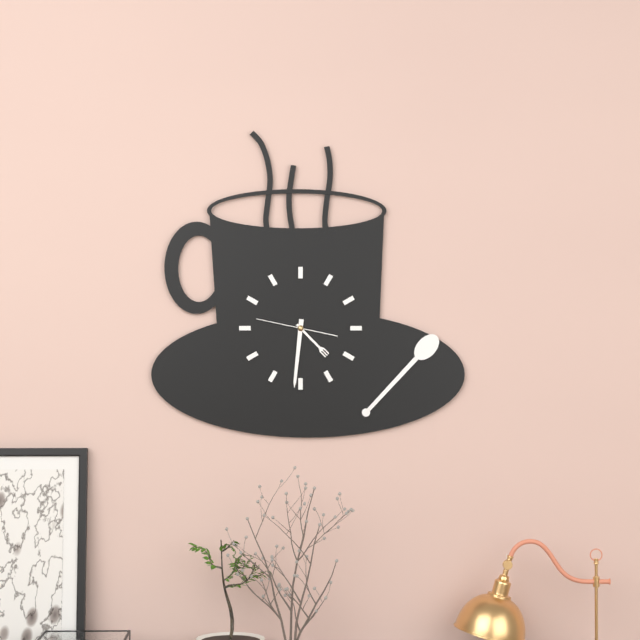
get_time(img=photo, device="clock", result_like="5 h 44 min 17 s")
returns 4 h 31 min 47 s
